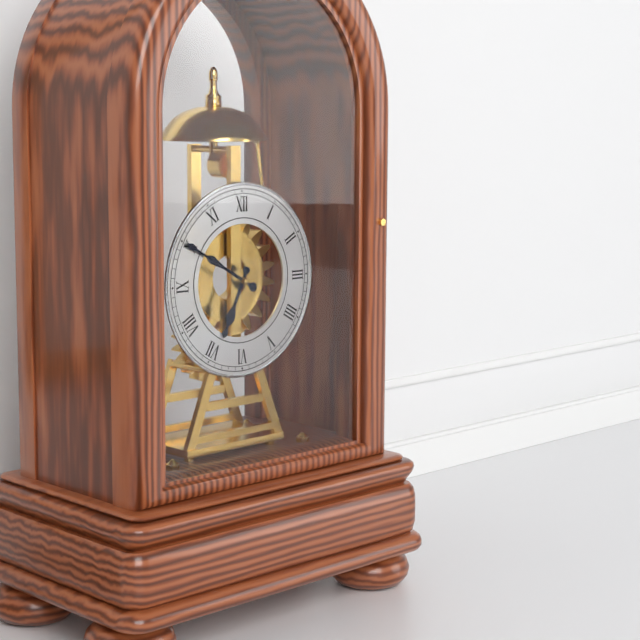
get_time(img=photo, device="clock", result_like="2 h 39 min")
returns 6 h 50 min
